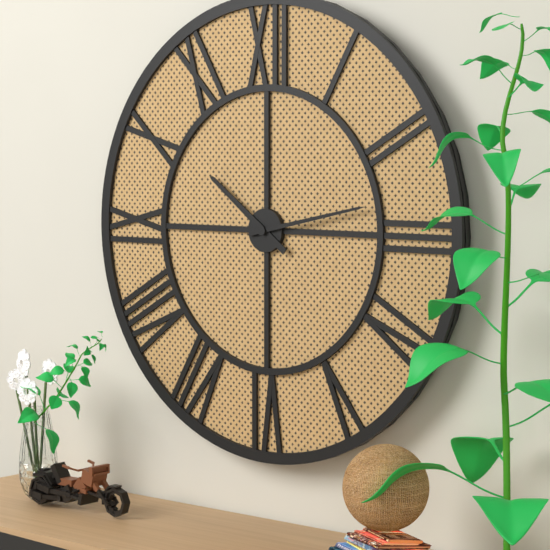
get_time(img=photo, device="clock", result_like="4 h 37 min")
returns 10 h 13 min
